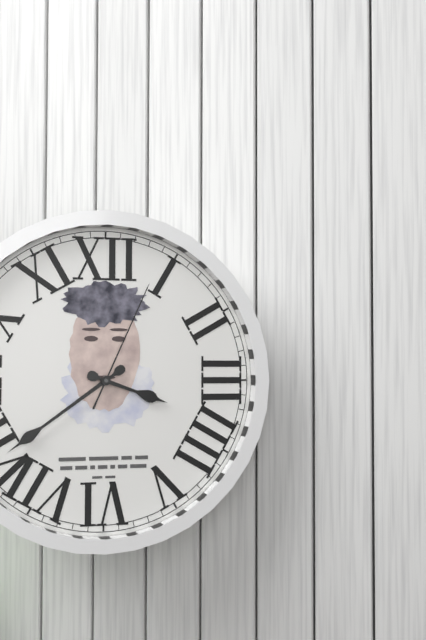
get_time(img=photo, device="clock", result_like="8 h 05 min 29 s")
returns 3 h 39 min 04 s
